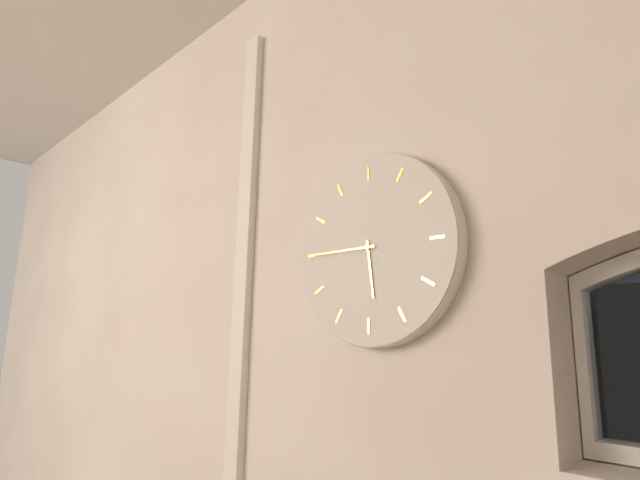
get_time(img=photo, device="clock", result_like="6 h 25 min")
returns 5 h 45 min
